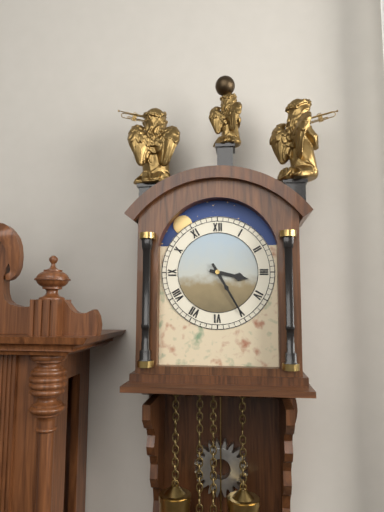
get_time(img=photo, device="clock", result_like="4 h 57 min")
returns 3 h 25 min
